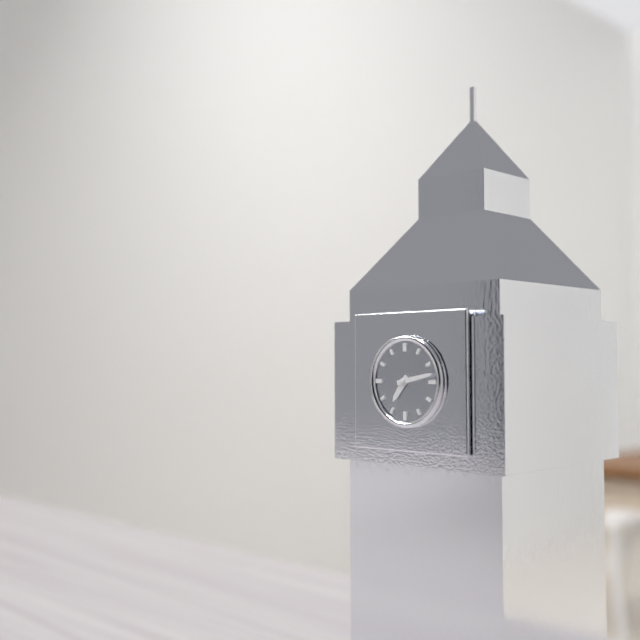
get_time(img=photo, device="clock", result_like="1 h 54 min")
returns 7 h 13 min
